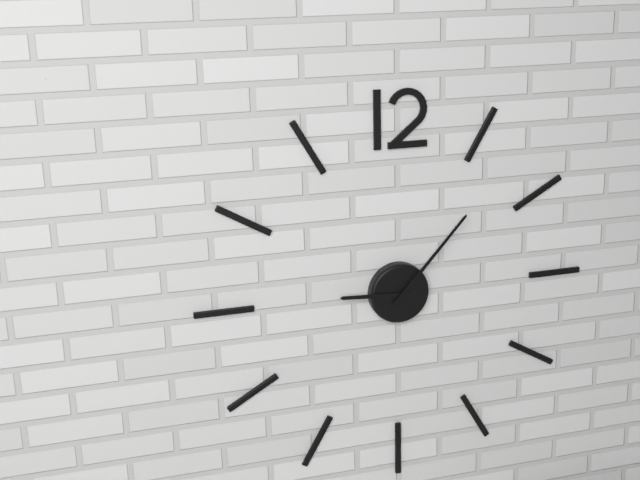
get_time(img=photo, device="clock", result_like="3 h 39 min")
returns 9 h 07 min
